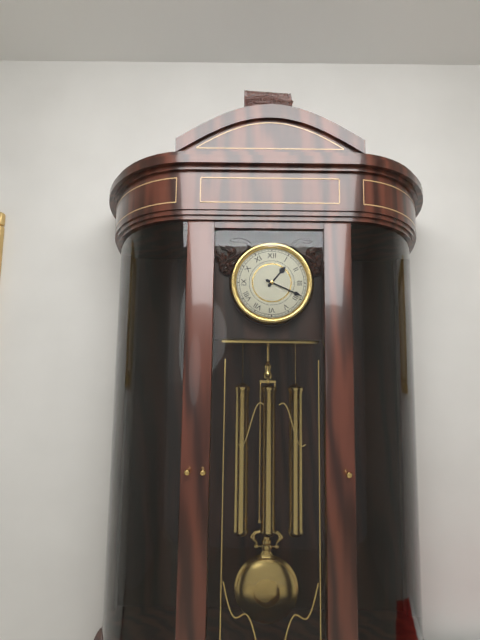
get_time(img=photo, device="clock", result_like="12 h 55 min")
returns 1 h 19 min
